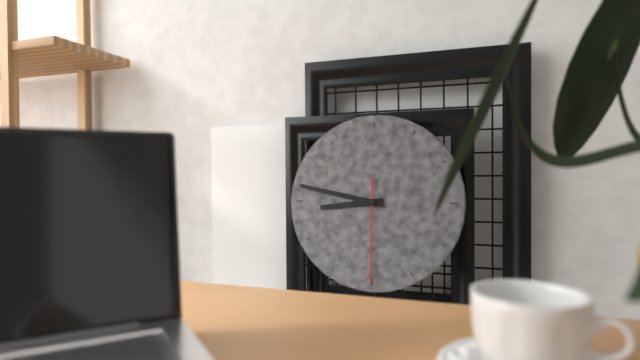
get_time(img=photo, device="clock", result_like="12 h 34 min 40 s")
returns 8 h 47 min 30 s
